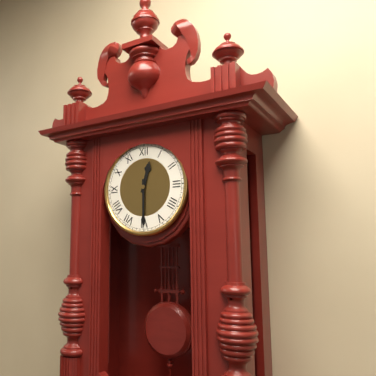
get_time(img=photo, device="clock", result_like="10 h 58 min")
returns 12 h 30 min
